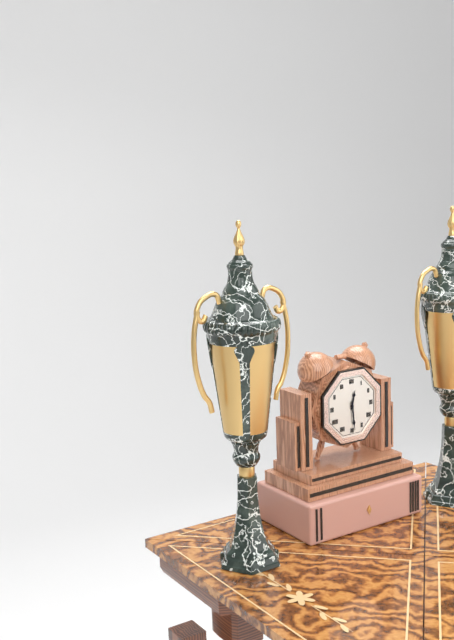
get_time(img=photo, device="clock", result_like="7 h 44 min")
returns 12 h 29 min
